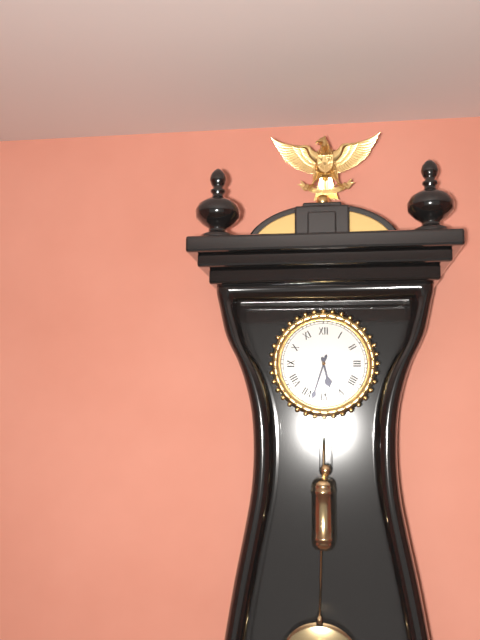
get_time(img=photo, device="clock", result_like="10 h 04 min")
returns 5 h 33 min
